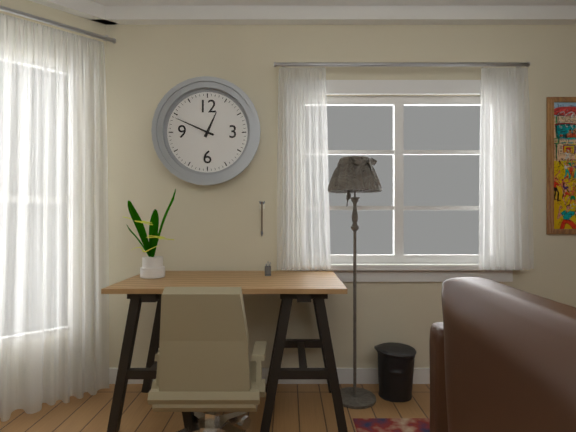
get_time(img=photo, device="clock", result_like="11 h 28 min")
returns 12 h 49 min
